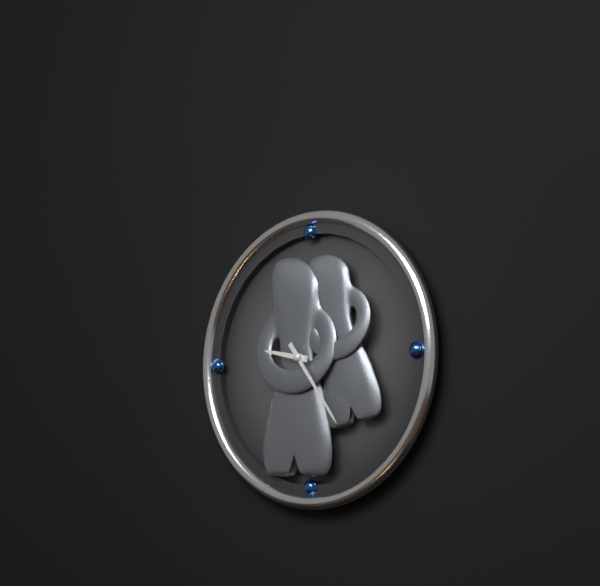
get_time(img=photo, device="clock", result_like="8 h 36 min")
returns 9 h 24 min
